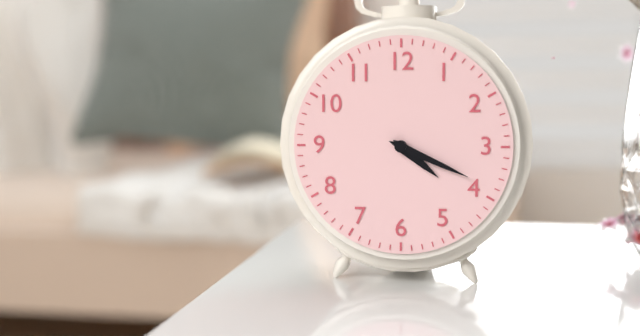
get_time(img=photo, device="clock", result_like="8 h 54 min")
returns 4 h 19 min
